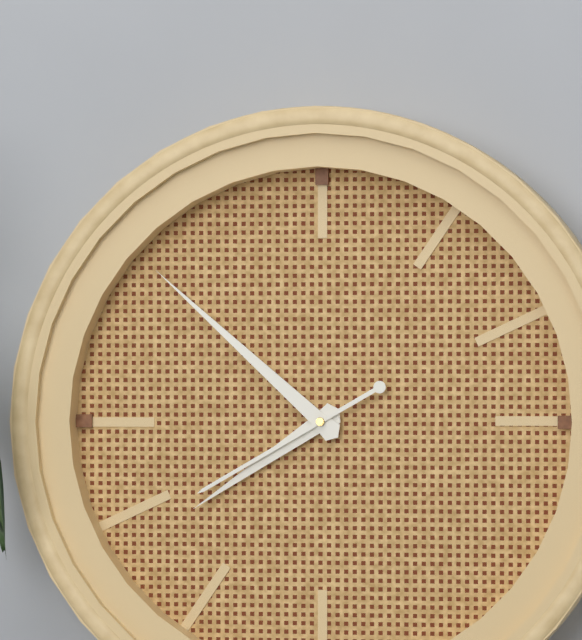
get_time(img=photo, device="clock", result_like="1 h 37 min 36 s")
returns 7 h 52 min 40 s
